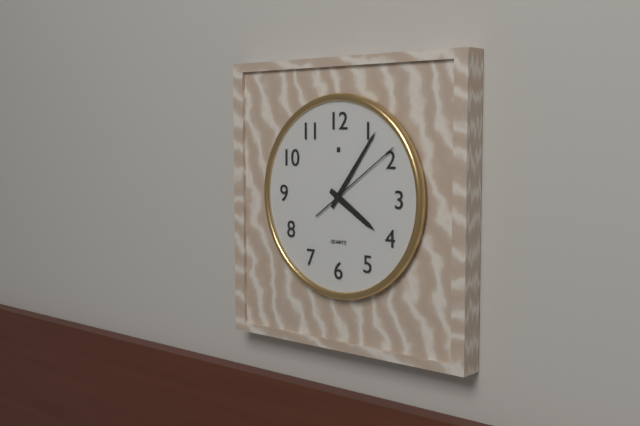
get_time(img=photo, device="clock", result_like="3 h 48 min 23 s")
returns 4 h 06 min 09 s
